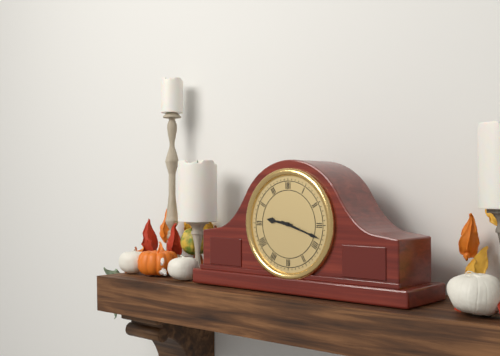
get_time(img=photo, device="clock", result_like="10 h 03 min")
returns 9 h 18 min
